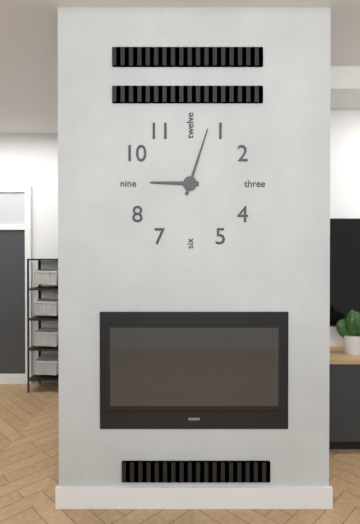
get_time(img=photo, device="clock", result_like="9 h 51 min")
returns 9 h 03 min
